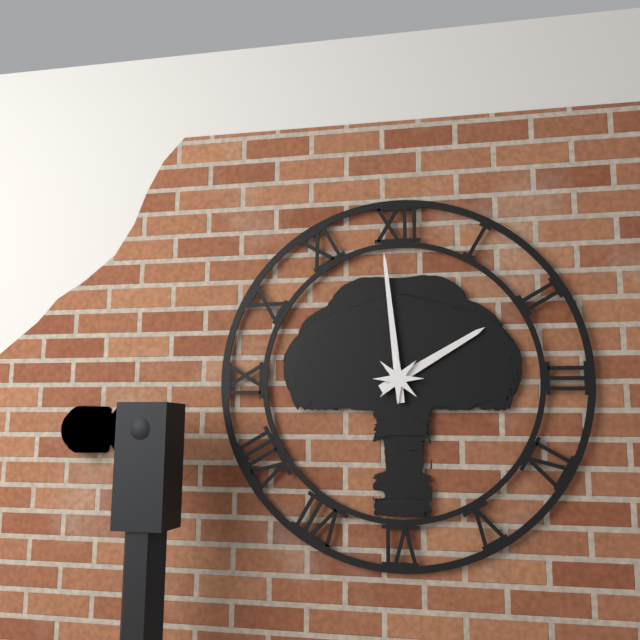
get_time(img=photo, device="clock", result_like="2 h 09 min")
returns 1 h 59 min
